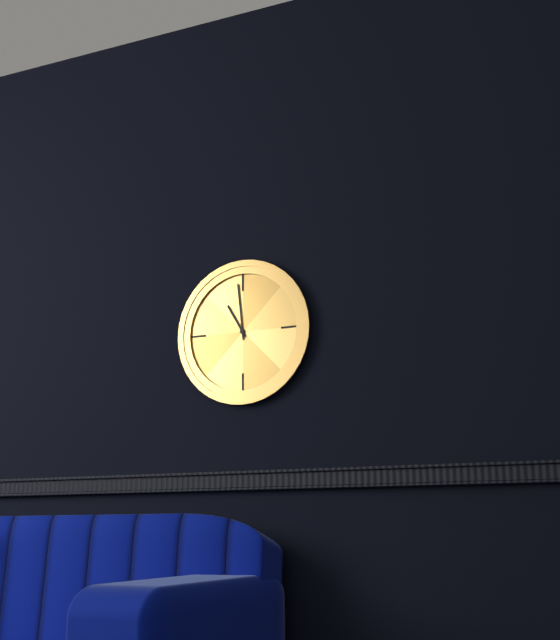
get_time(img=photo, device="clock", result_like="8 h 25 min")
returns 10 h 59 min
